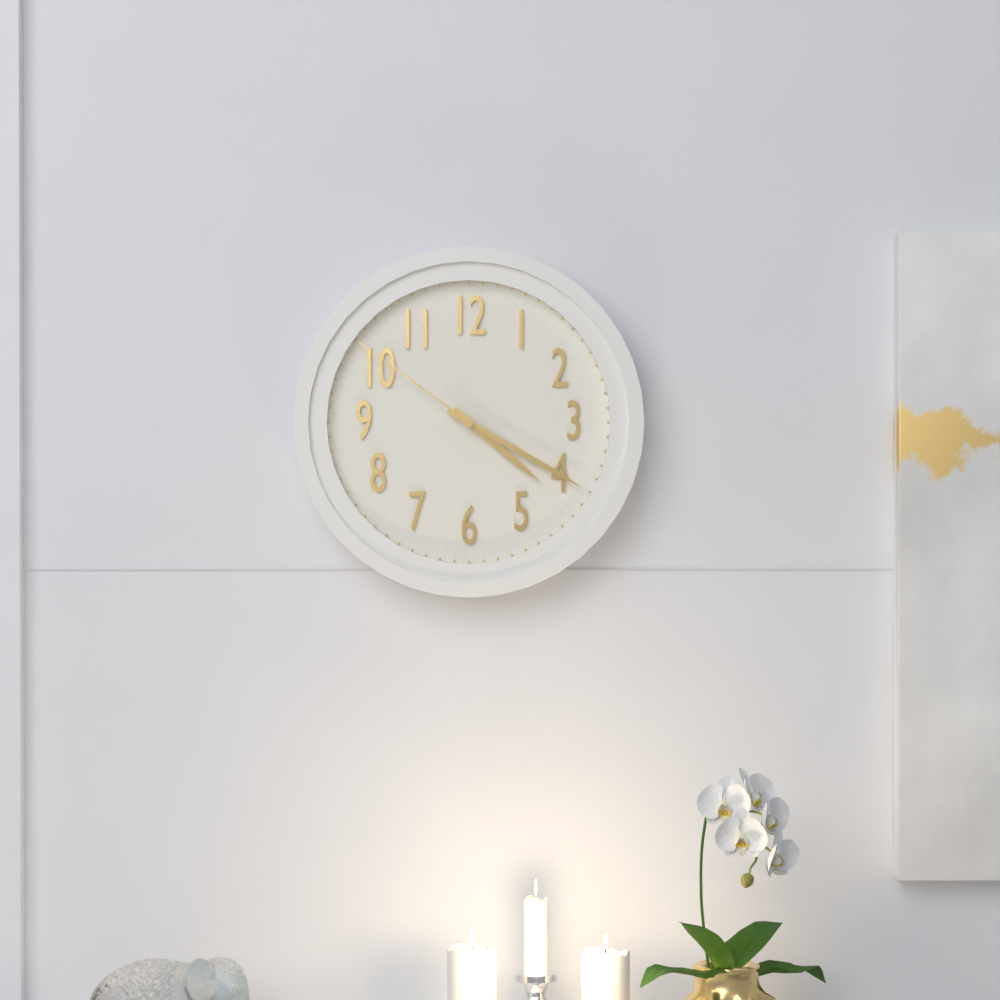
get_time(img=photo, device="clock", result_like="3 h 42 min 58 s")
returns 4 h 20 min 51 s
